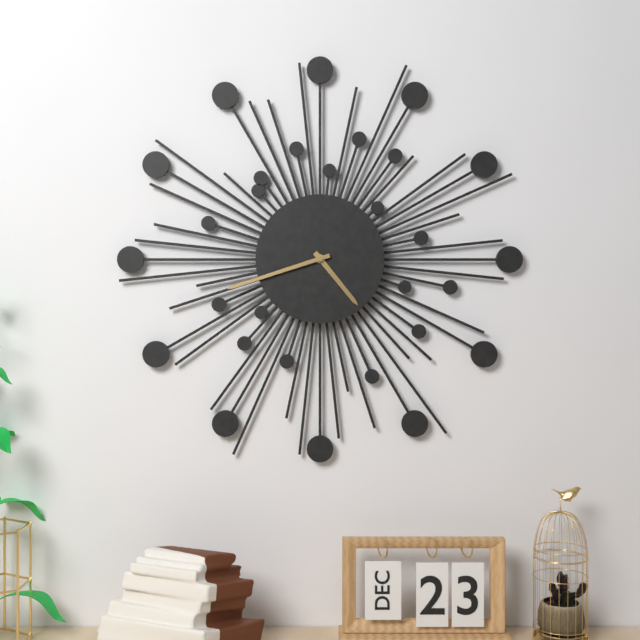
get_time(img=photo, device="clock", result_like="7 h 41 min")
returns 4 h 42 min
